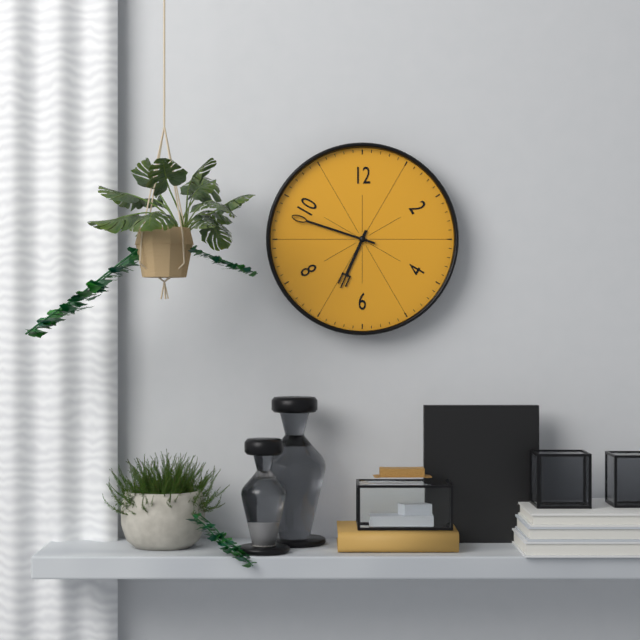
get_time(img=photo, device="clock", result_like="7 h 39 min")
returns 6 h 48 min
